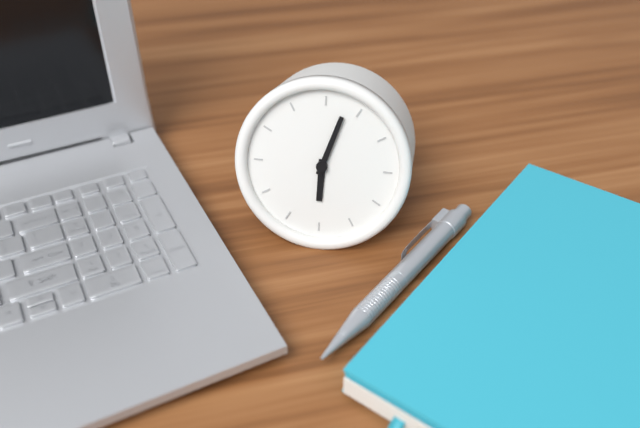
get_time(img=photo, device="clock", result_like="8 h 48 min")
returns 6 h 03 min
